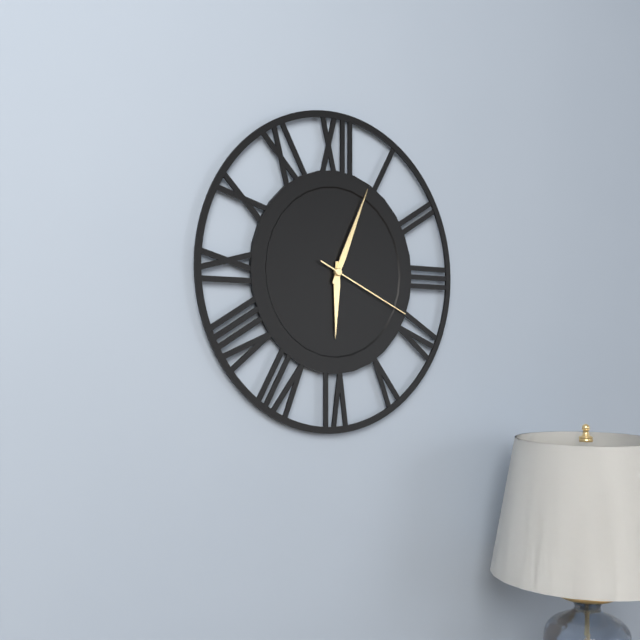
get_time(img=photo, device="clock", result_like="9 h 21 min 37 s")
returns 6 h 04 min 19 s
